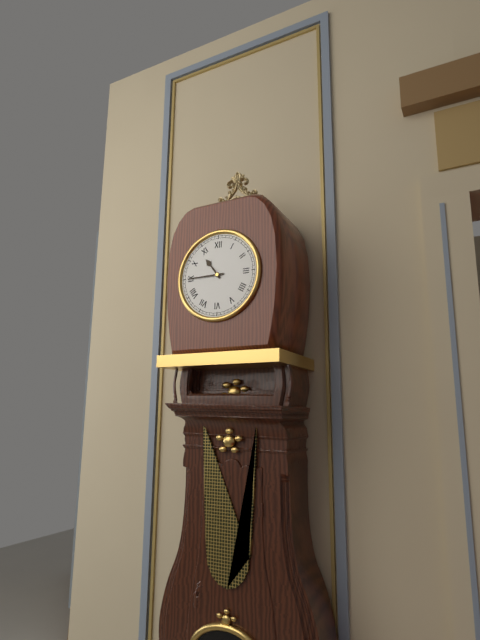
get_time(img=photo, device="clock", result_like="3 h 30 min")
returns 10 h 45 min
